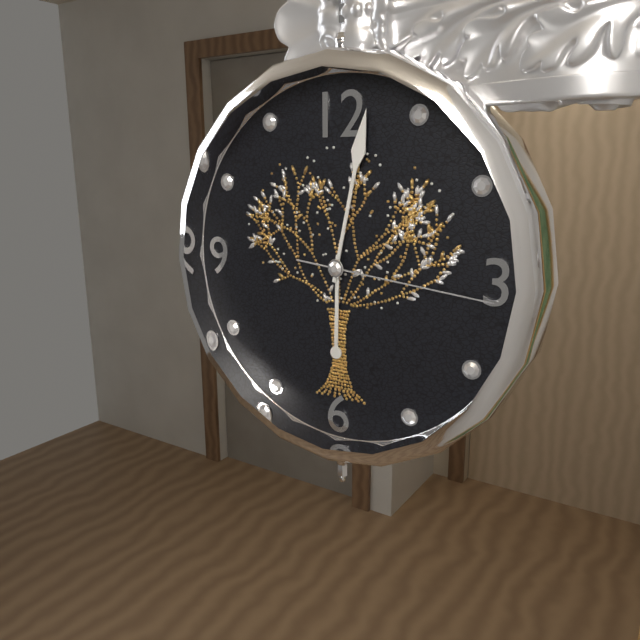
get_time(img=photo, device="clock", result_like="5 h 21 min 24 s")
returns 6 h 02 min 16 s
